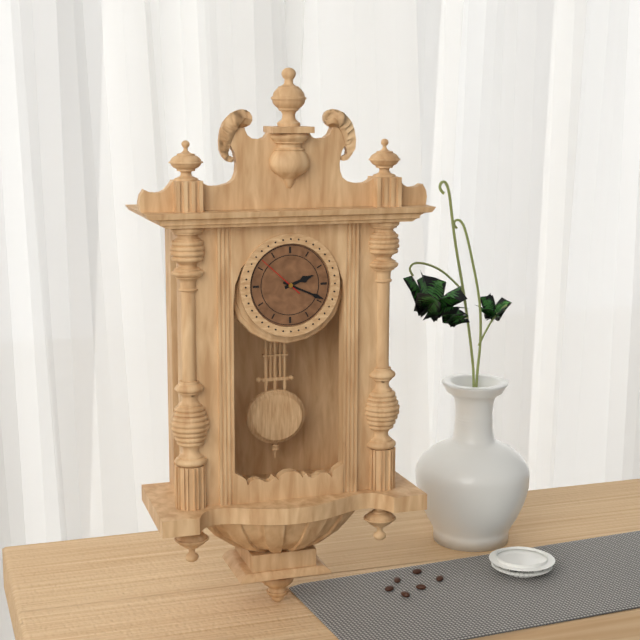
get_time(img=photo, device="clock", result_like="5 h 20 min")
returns 2 h 19 min
